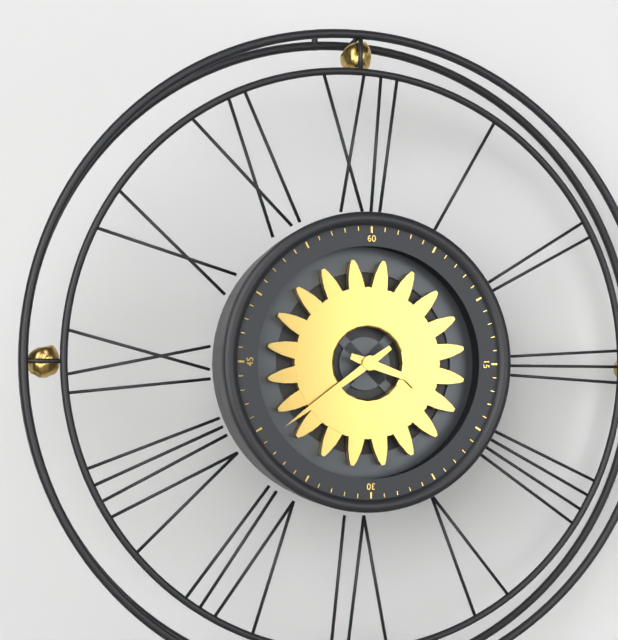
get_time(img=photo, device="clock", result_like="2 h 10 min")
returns 3 h 39 min
